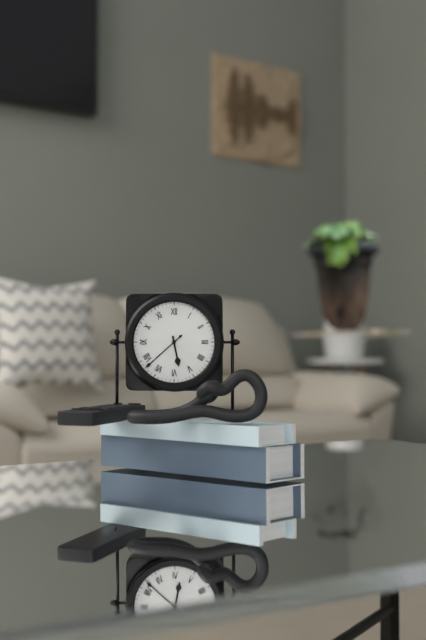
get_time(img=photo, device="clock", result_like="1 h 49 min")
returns 5 h 38 min
